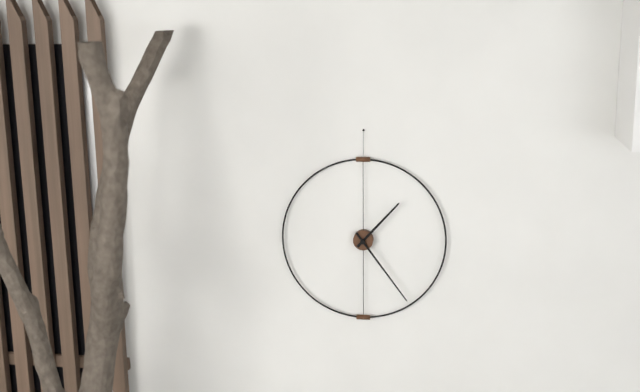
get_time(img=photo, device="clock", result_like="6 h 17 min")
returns 1 h 24 min
